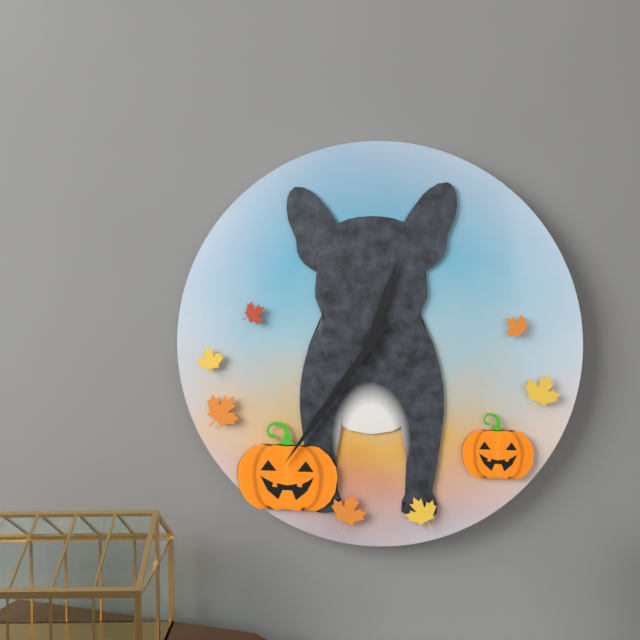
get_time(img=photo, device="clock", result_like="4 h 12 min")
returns 12 h 36 min
